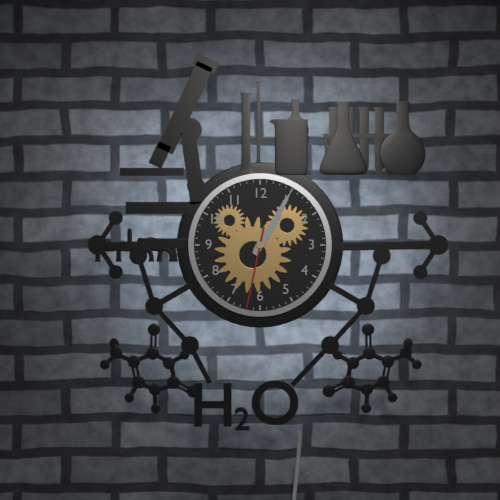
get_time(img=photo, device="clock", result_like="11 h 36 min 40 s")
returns 1 h 05 min 32 s
